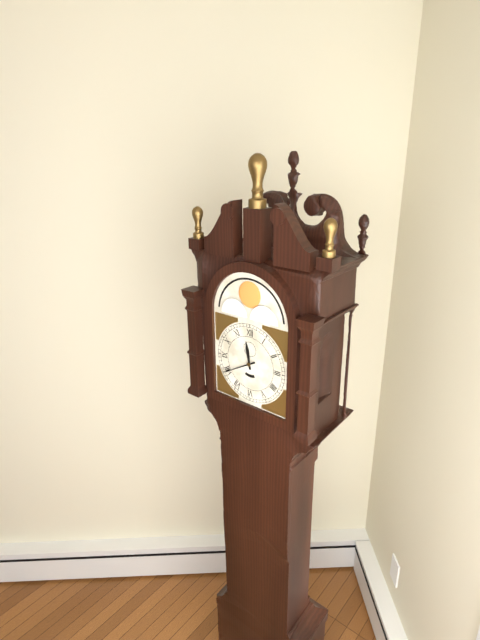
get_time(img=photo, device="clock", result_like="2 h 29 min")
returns 11 h 40 min
